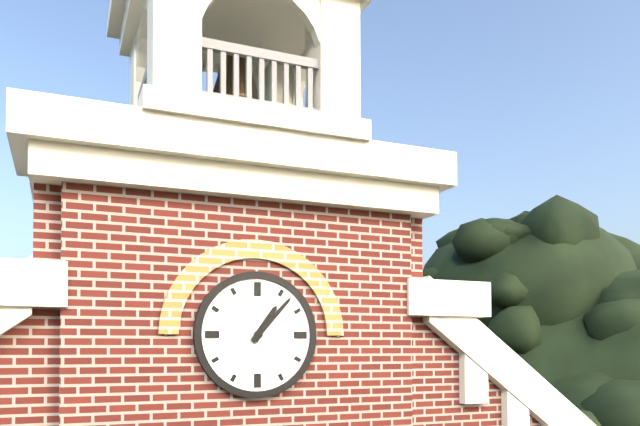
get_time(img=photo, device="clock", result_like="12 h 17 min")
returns 1 h 07 min
